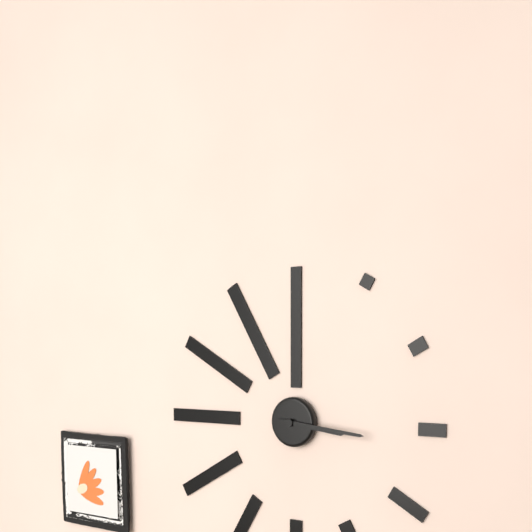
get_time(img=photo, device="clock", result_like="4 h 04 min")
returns 3 h 16 min
